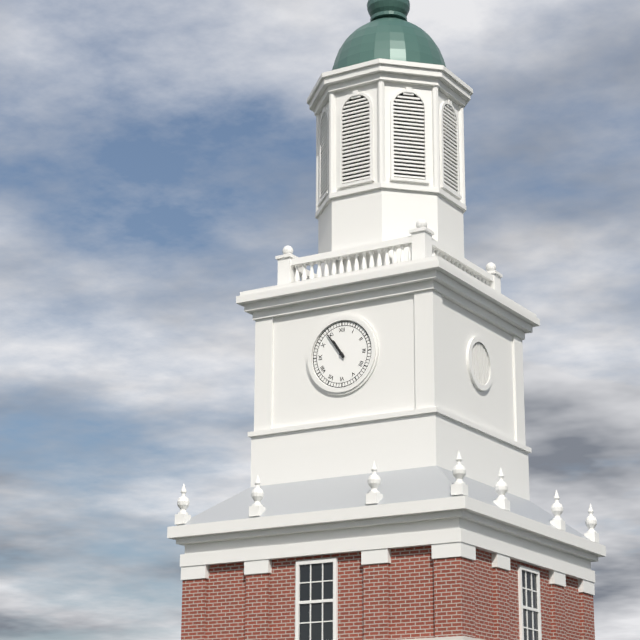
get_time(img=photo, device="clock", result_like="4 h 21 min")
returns 10 h 54 min
